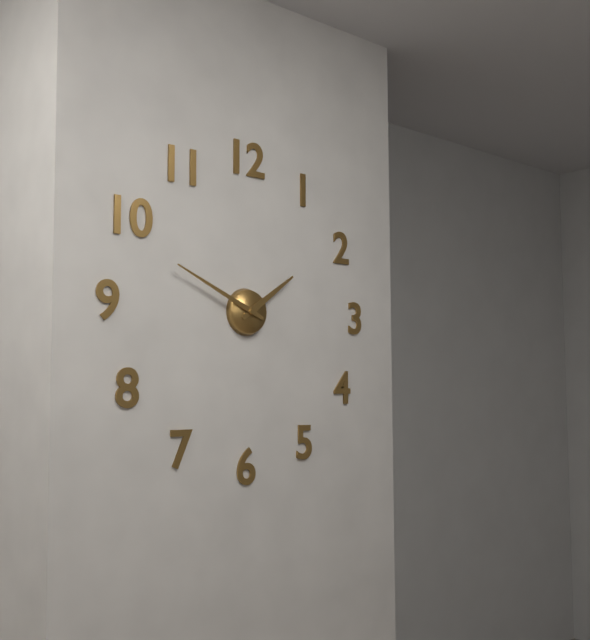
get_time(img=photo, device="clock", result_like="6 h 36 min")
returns 1 h 49 min
